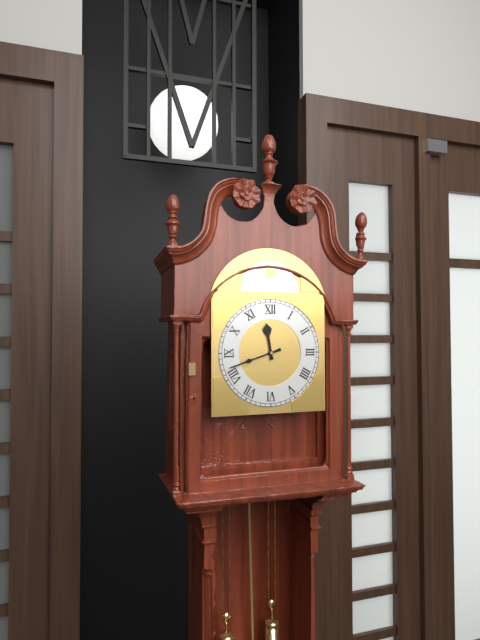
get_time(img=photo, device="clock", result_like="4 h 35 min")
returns 11 h 42 min
